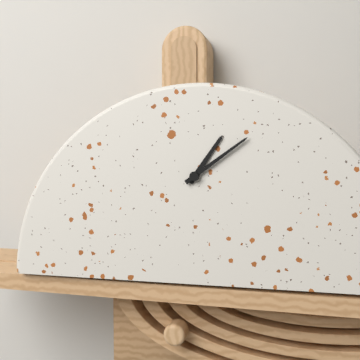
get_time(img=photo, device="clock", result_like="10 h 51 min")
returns 1 h 09 min
